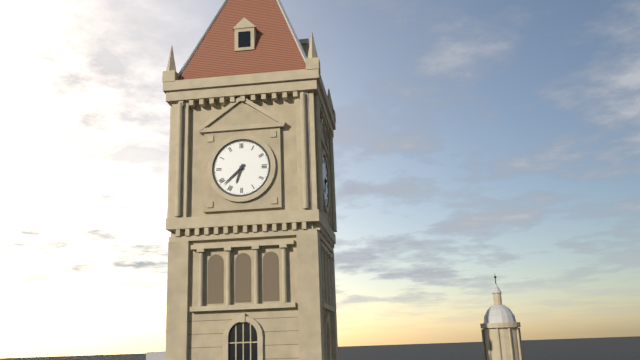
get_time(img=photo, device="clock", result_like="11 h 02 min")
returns 6 h 38 min
